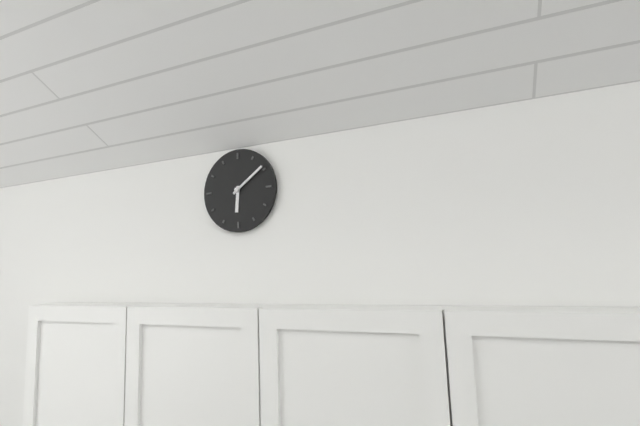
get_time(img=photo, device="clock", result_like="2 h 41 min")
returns 6 h 09 min
